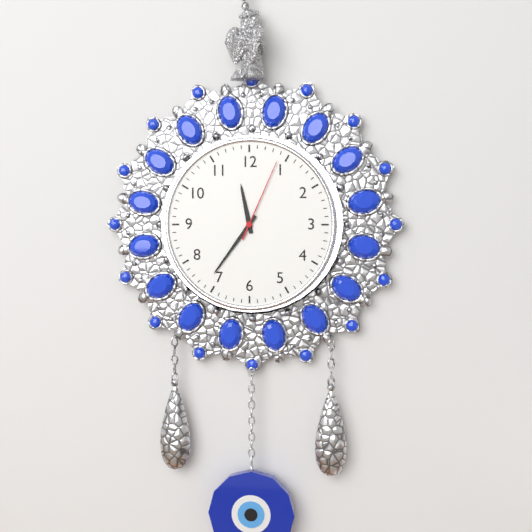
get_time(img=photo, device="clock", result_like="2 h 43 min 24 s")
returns 11 h 36 min 04 s
